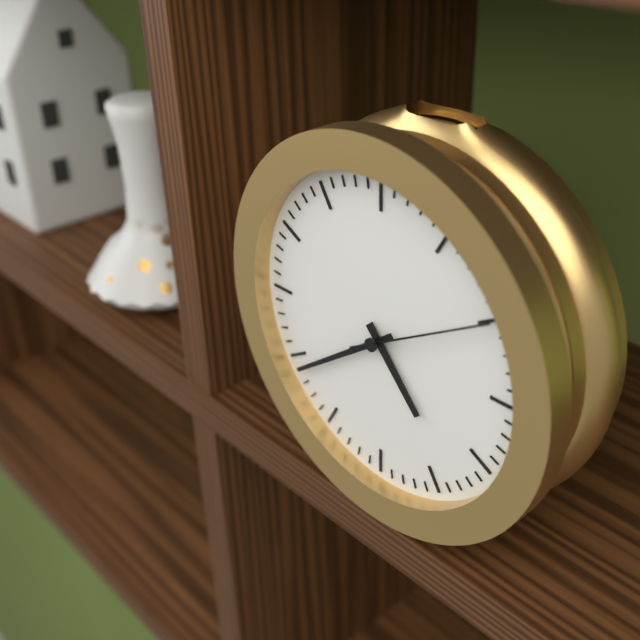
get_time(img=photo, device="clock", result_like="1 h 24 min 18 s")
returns 4 h 39 min 10 s
